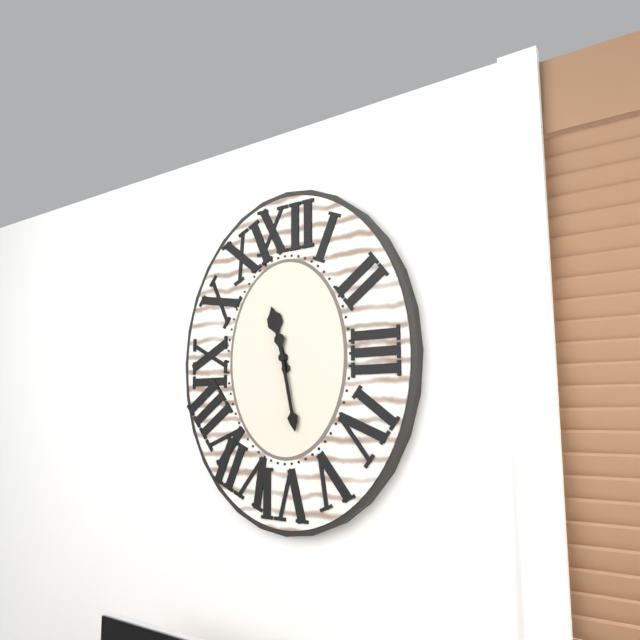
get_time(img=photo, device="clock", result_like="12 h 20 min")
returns 11 h 28 min
